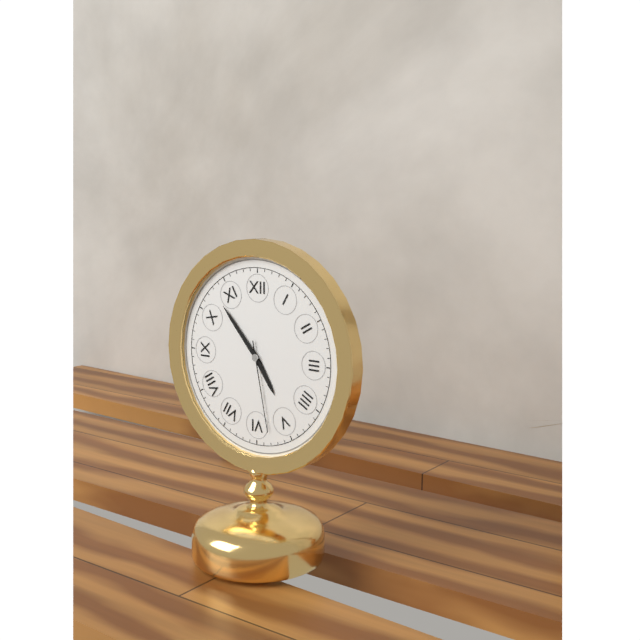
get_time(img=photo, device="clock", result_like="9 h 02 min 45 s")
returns 4 h 53 min 28 s
